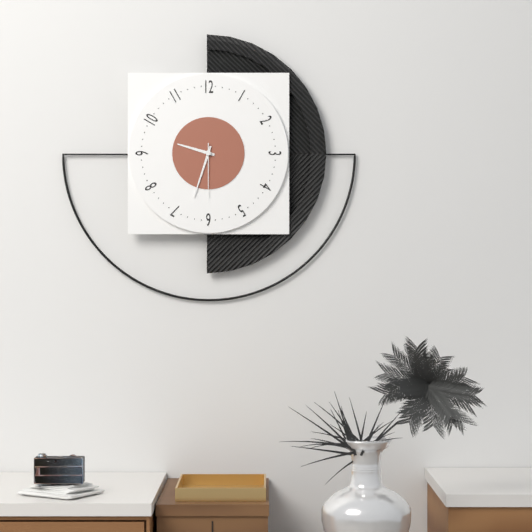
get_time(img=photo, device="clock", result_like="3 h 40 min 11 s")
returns 9 h 33 min 30 s
